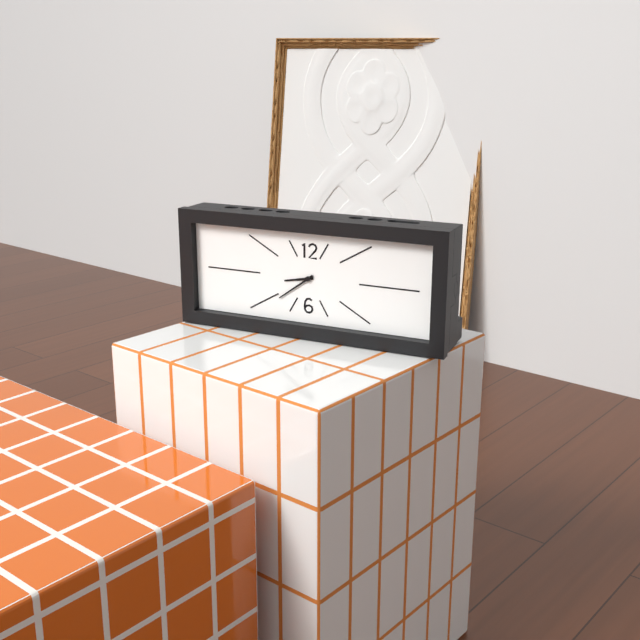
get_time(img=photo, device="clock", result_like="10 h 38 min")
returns 8 h 39 min
